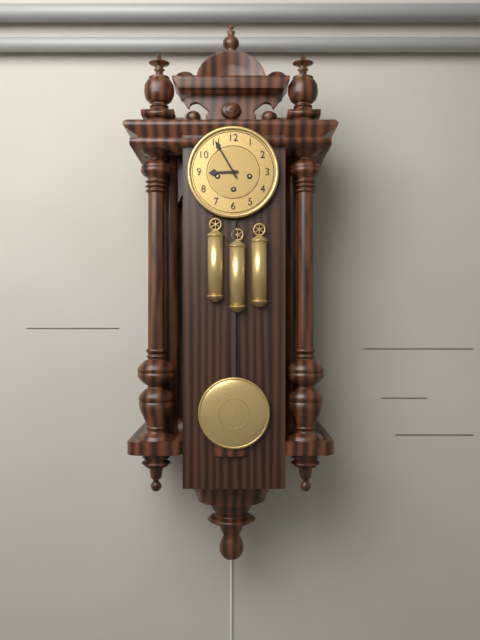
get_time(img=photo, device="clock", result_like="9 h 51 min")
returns 8 h 55 min
